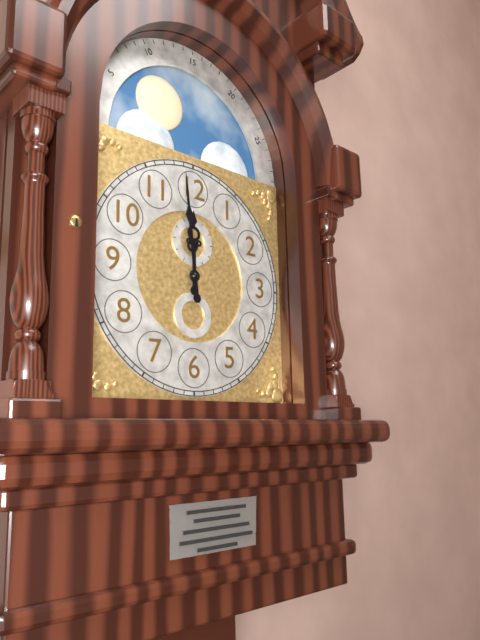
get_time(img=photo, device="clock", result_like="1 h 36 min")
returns 11 h 59 min
